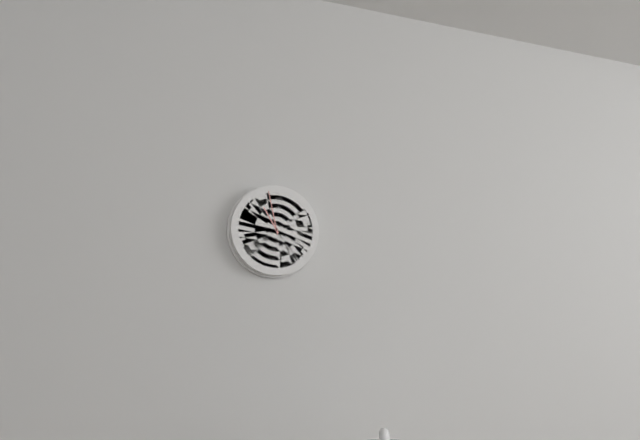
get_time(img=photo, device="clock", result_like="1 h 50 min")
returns 10 h 58 min
